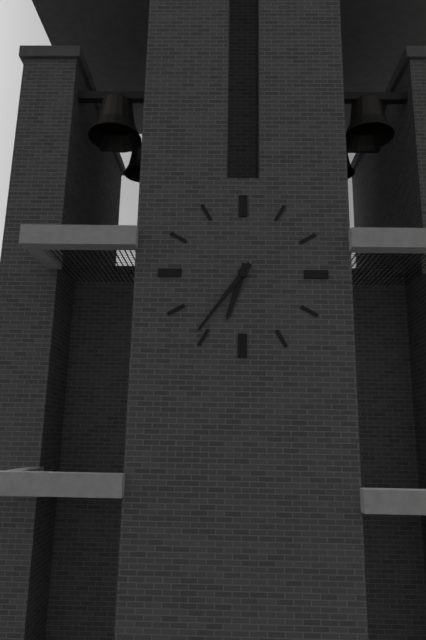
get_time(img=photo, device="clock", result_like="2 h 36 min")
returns 6 h 36 min
